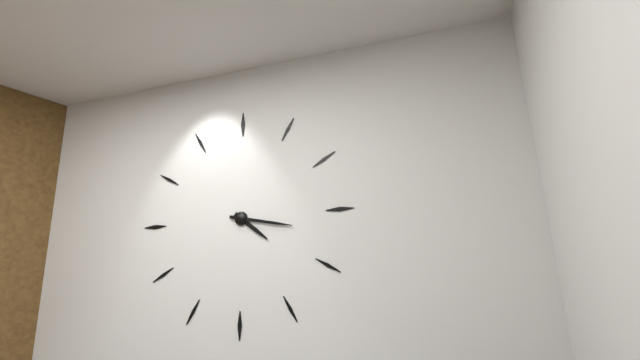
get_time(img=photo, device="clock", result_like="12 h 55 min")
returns 4 h 17 min
